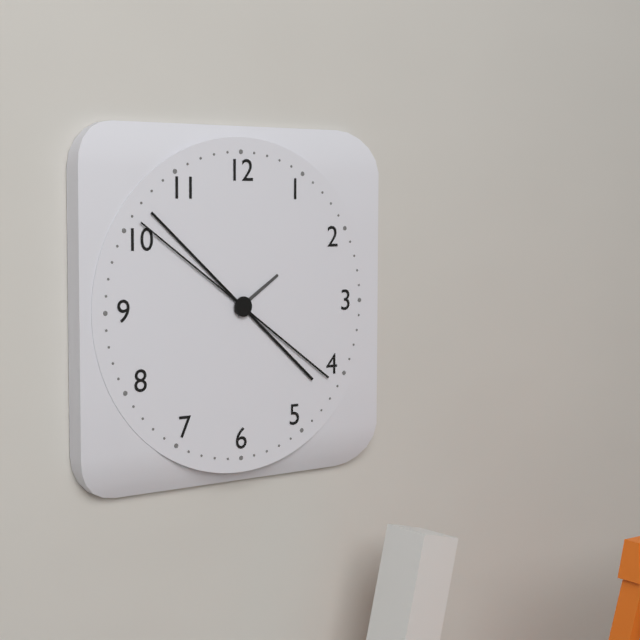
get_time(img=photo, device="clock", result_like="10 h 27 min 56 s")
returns 1 h 52 min 51 s
